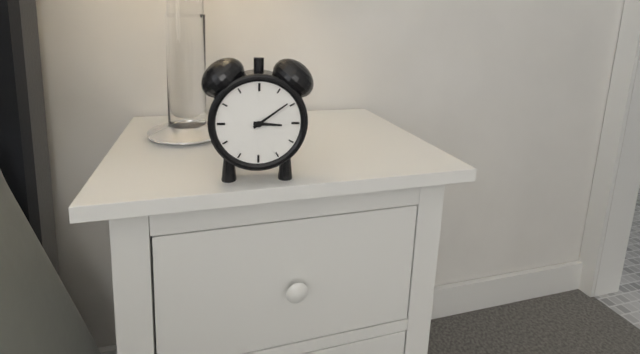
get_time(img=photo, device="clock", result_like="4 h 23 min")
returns 3 h 09 min
